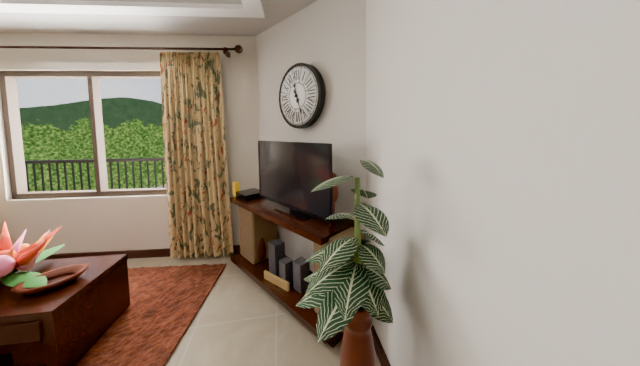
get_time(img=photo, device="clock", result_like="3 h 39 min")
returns 11 h 26 min
